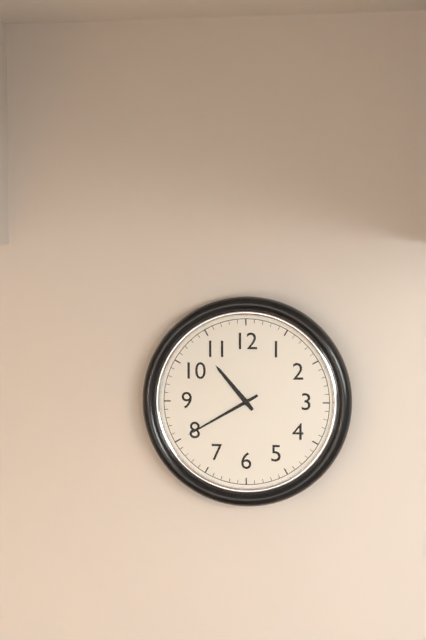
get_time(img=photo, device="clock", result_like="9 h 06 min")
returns 10 h 40 min
